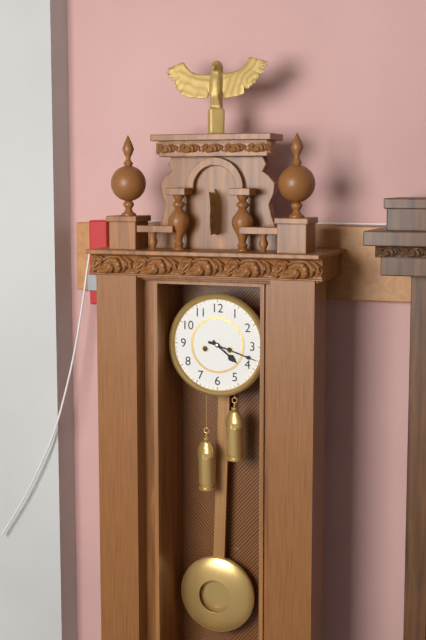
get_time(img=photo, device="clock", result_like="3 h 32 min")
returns 4 h 18 min
